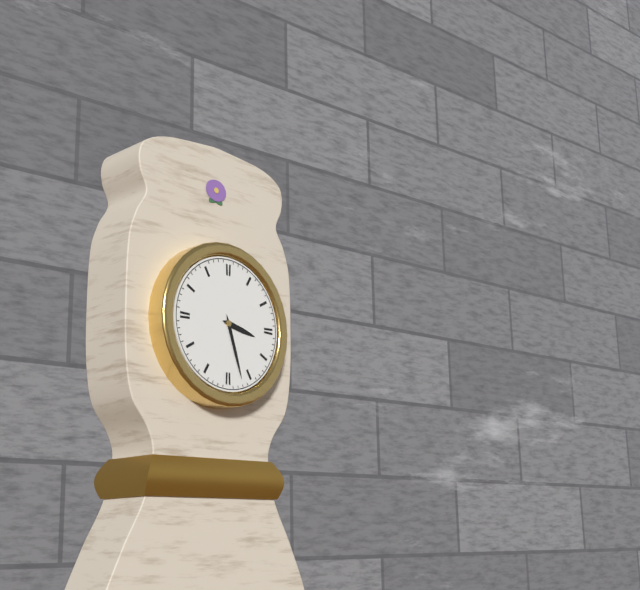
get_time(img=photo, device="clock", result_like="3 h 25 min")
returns 3 h 27 min
